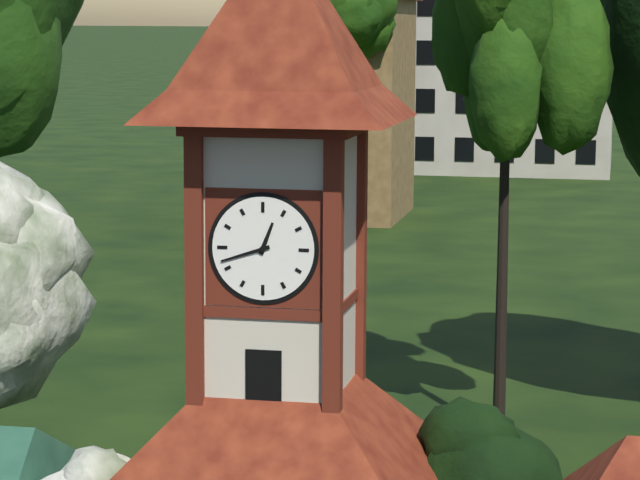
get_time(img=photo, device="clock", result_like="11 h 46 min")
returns 12 h 42 min
